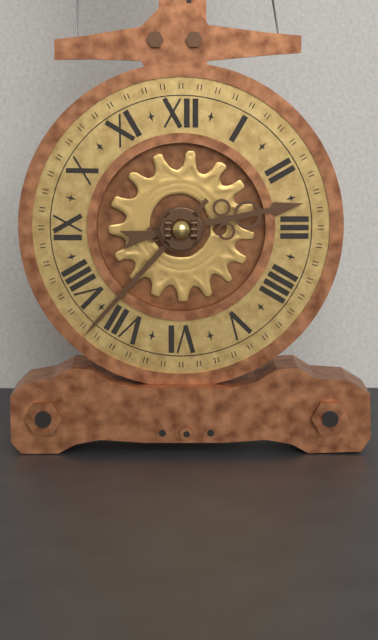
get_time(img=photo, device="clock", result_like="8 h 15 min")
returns 2 h 37 min
